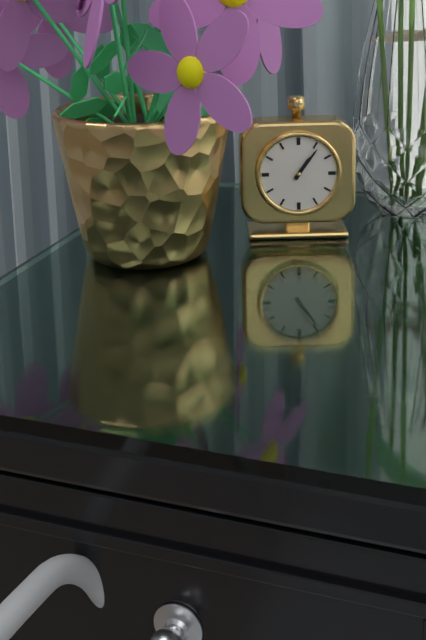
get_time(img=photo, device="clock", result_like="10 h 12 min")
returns 1 h 06 min
